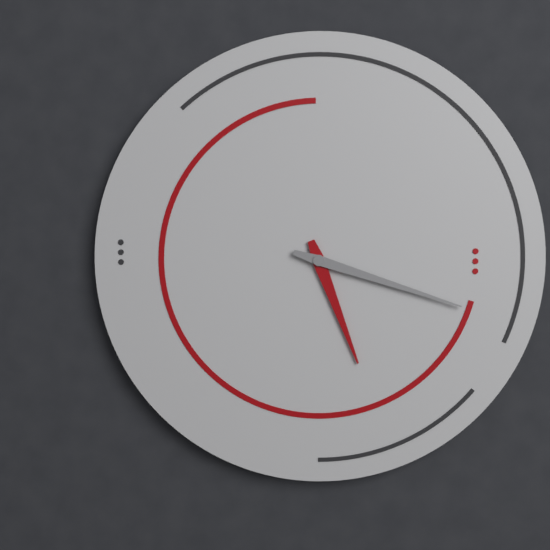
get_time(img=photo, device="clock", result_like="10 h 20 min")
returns 5 h 18 min
